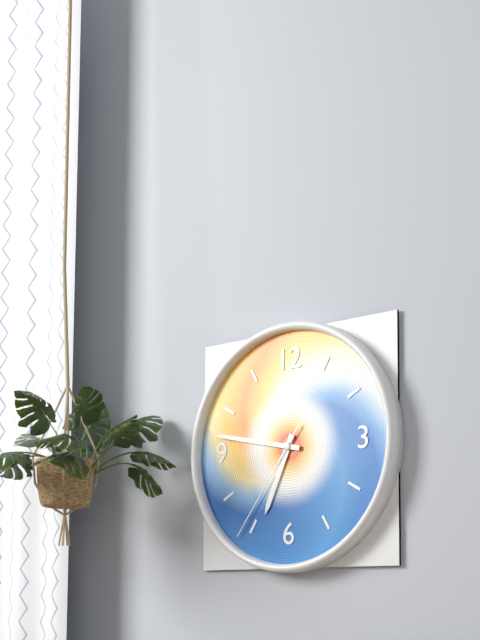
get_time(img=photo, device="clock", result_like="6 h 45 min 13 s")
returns 6 h 47 min 36 s
